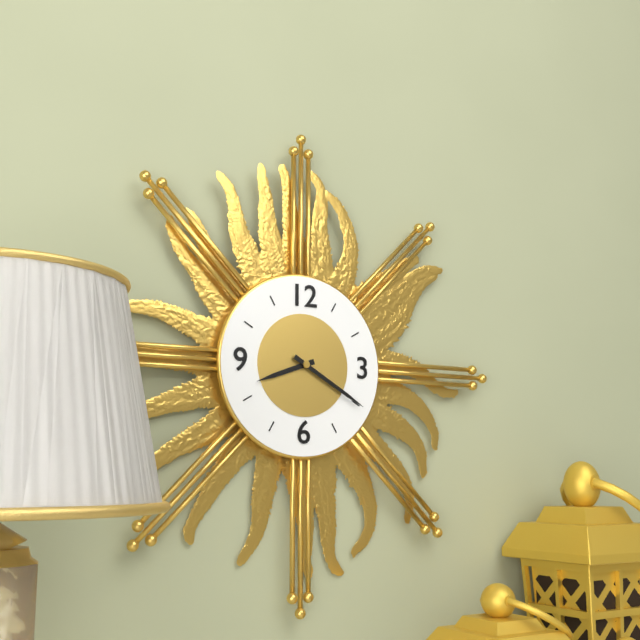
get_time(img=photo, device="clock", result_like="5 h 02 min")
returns 8 h 20 min
